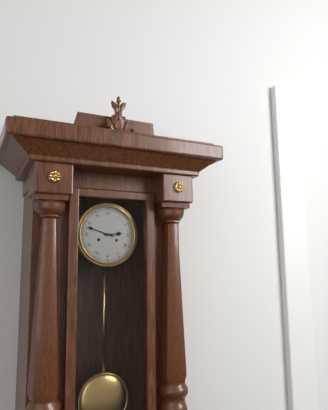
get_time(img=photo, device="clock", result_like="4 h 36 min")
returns 2 h 48 min
